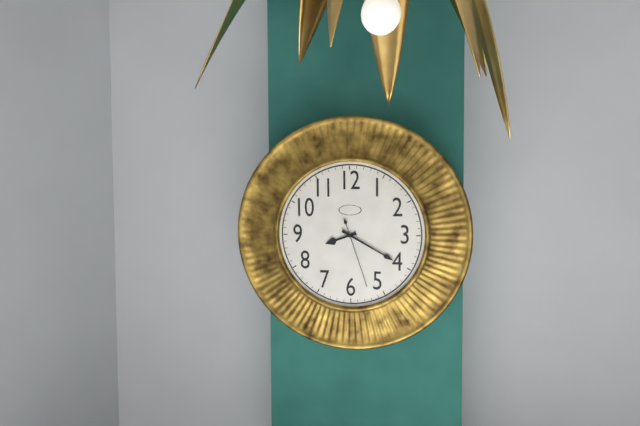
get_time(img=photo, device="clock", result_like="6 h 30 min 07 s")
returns 8 h 20 min 27 s
